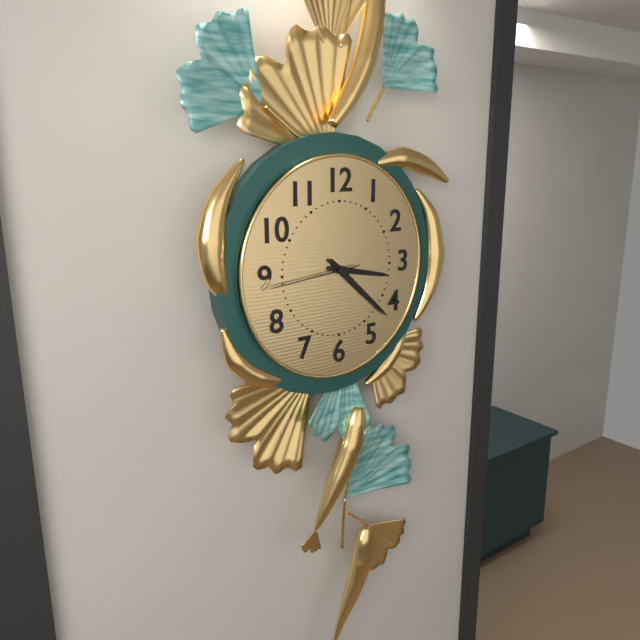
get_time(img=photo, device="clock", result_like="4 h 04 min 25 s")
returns 3 h 22 min 44 s
